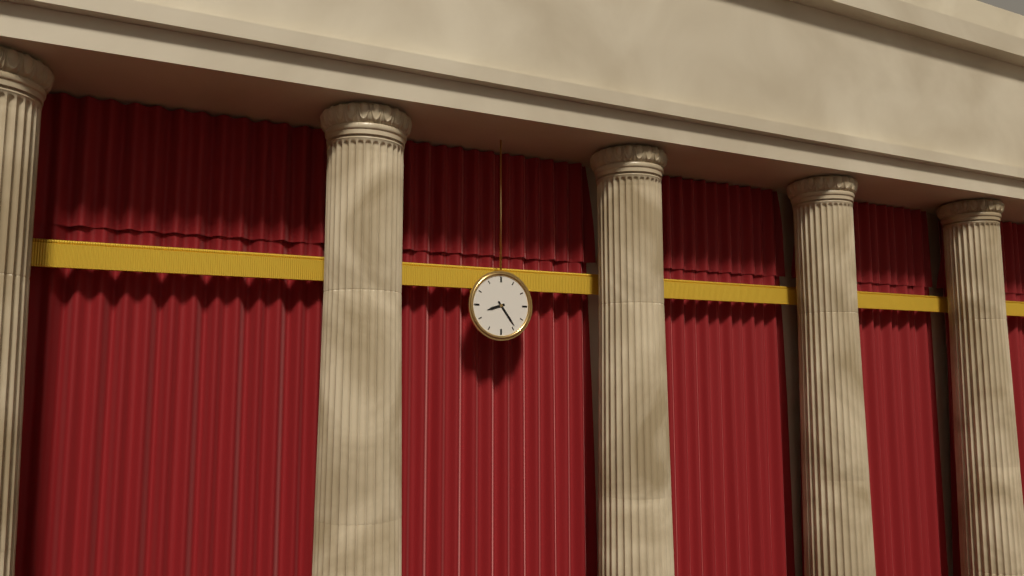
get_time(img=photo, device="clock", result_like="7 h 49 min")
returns 8 h 24 min
